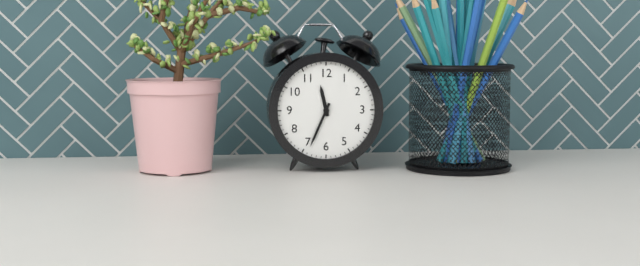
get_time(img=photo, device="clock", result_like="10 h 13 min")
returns 11 h 34 min
